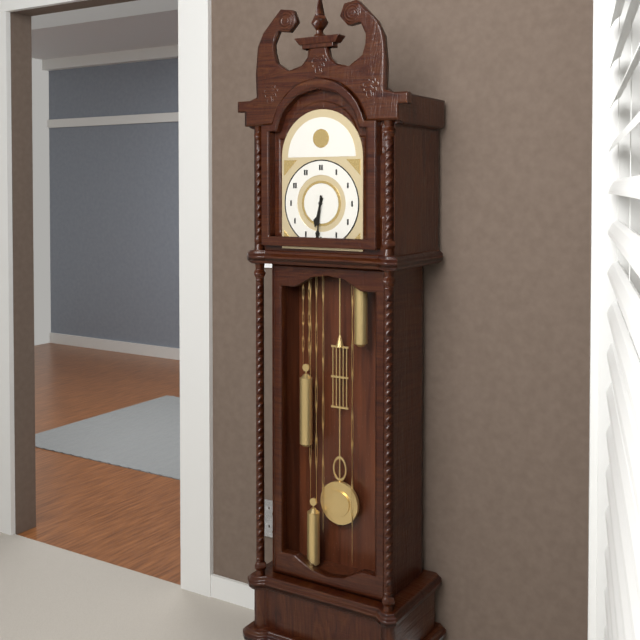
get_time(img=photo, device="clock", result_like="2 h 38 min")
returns 6 h 31 min
